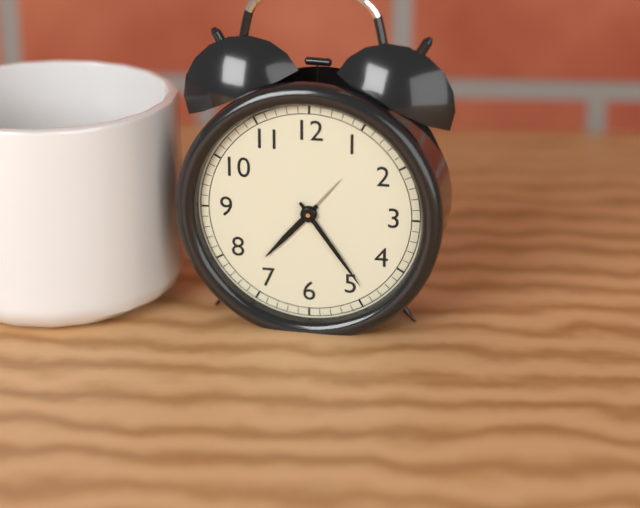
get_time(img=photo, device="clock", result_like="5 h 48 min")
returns 7 h 24 min
